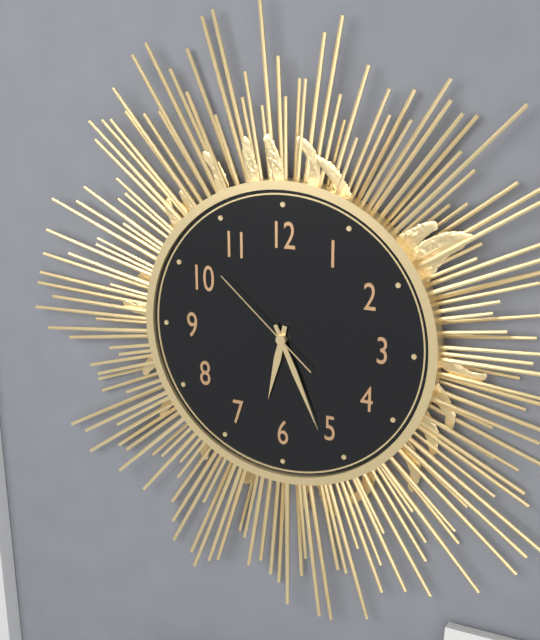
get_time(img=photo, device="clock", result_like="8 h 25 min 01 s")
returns 6 h 26 min 52 s
